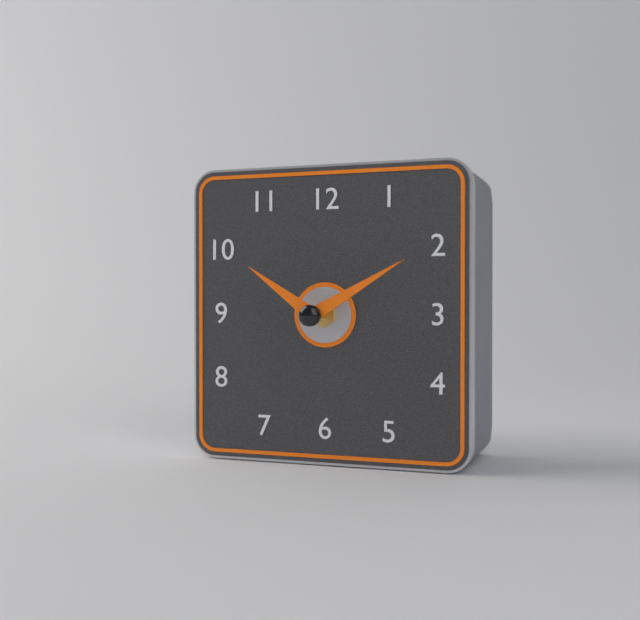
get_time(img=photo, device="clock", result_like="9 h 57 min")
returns 10 h 10 min
